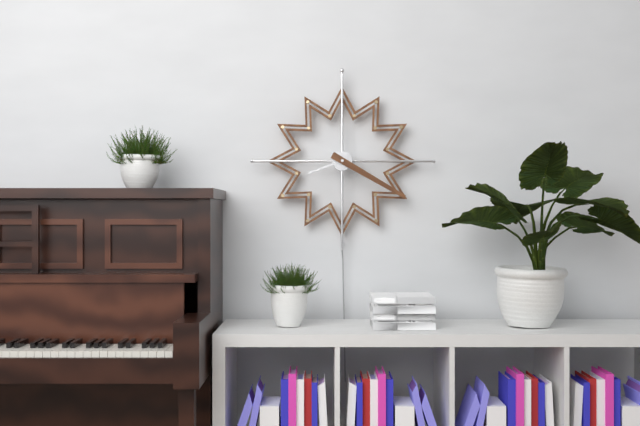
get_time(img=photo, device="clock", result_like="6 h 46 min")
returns 8 h 20 min
